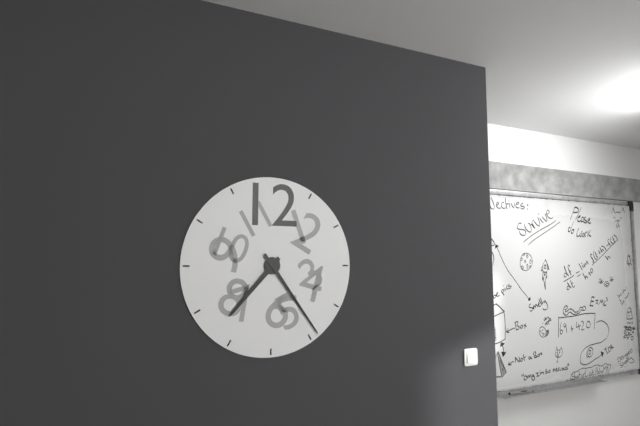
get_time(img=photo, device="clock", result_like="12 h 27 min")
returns 7 h 24 min
